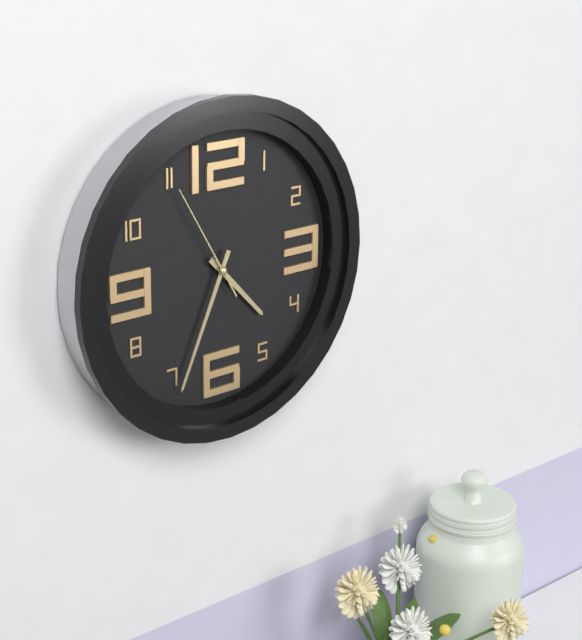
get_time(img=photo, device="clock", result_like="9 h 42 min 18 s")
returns 4 h 34 min 55 s
